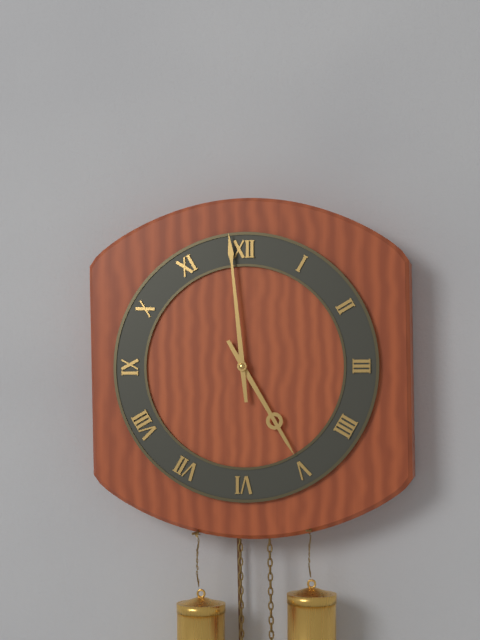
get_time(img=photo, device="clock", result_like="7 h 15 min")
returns 4 h 59 min
